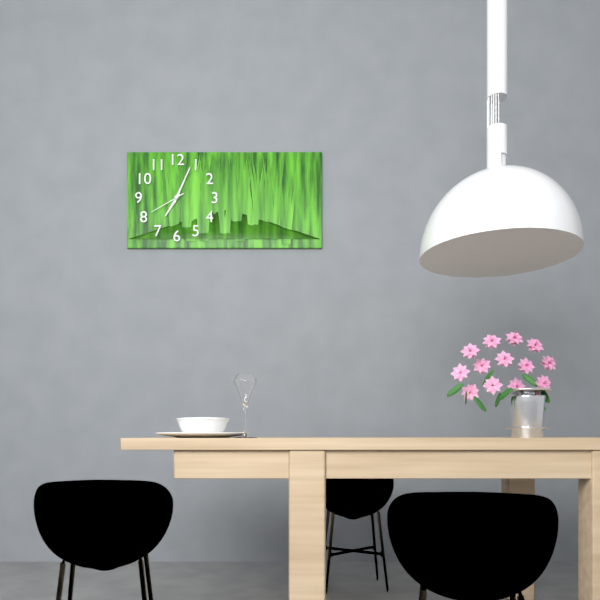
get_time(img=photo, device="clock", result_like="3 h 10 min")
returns 7 h 04 min
